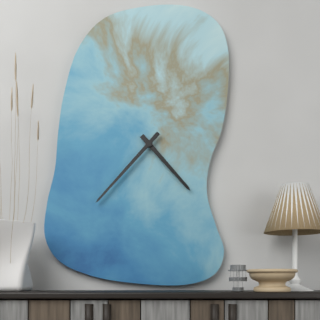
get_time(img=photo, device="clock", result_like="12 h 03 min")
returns 4 h 37 min
